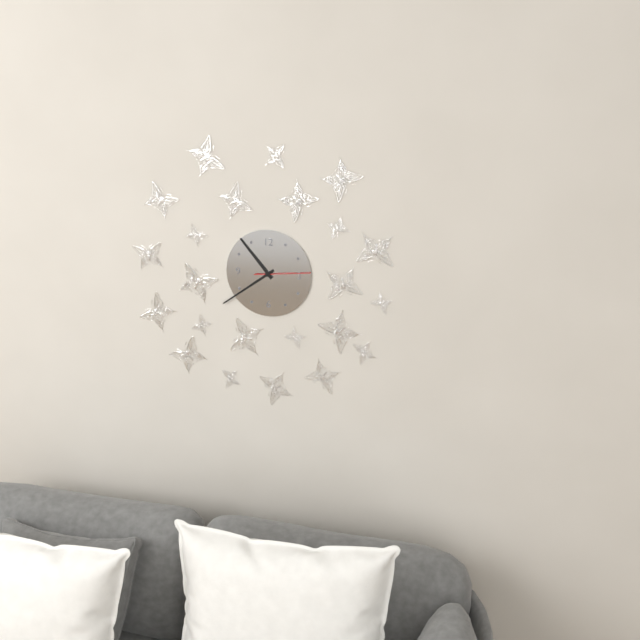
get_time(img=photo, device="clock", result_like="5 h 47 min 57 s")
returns 10 h 39 min 14 s
